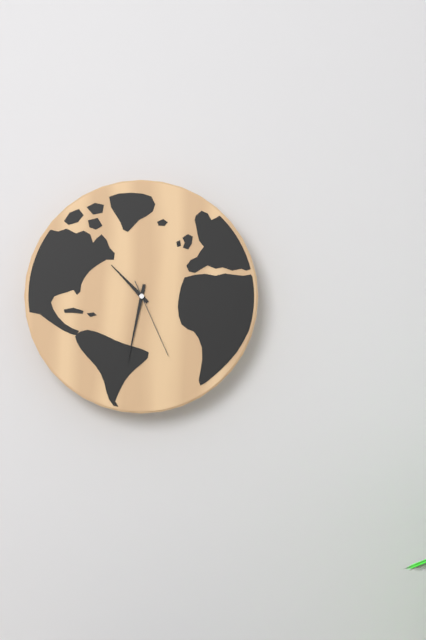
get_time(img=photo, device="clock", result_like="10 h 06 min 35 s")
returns 10 h 32 min 26 s
